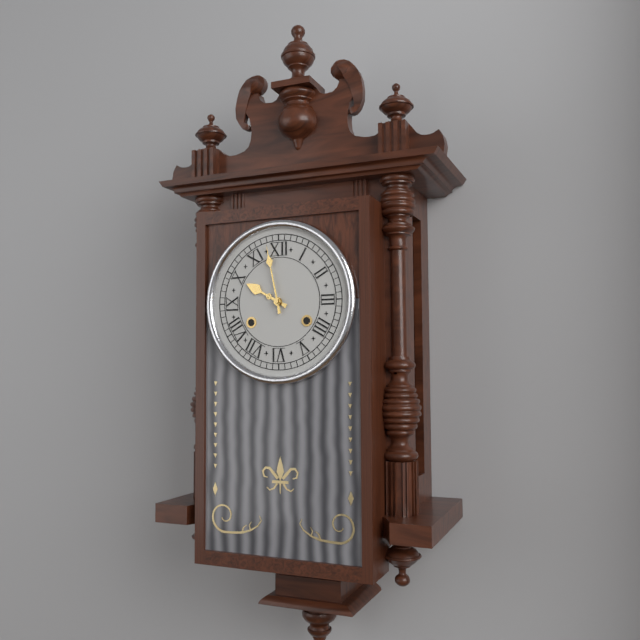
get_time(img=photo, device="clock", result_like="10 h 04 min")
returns 9 h 58 min
